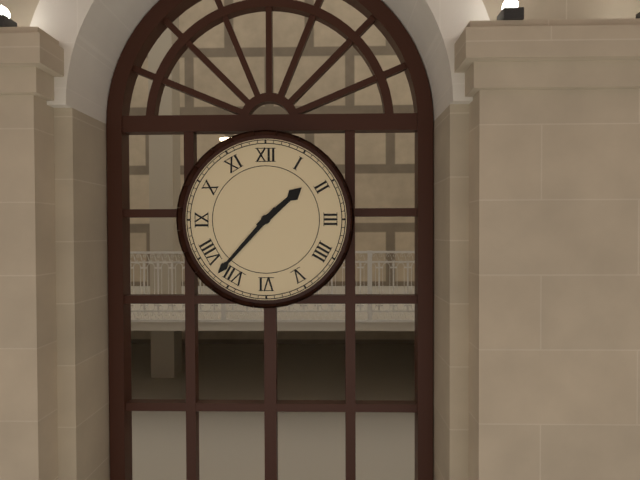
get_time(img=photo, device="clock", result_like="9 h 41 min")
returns 1 h 37 min
